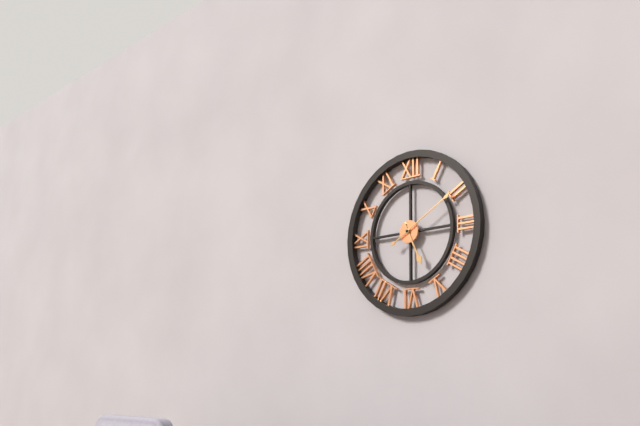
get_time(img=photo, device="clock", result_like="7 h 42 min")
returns 5 h 10 min
